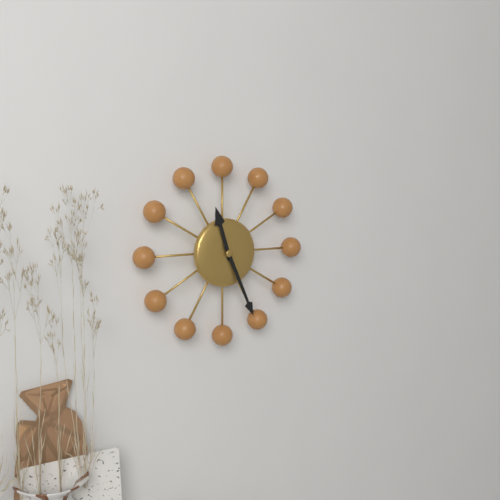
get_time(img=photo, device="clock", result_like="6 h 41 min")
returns 11 h 26 min
